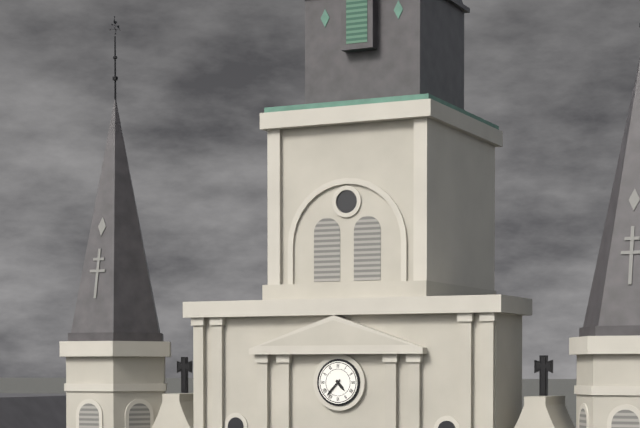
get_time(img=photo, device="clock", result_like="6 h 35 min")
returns 4 h 37 min
